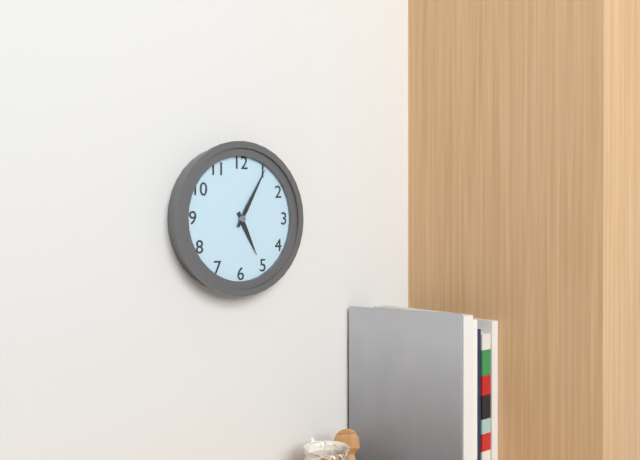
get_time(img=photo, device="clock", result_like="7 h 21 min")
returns 5 h 05 min
